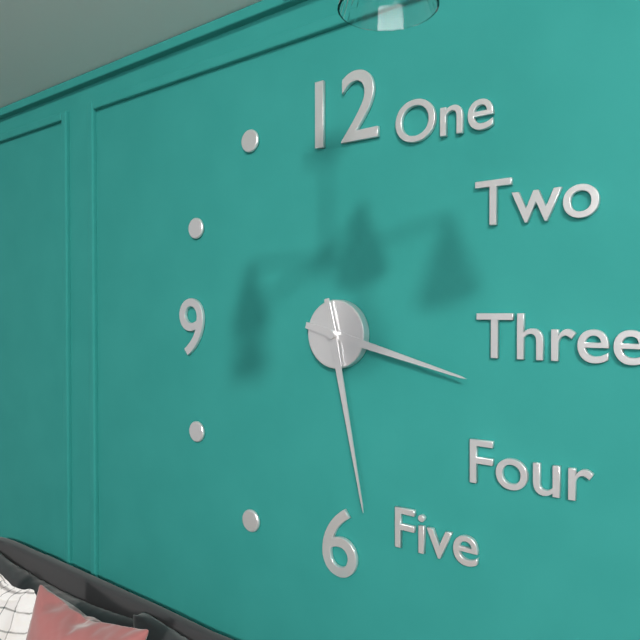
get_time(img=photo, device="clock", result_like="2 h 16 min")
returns 3 h 28 min
